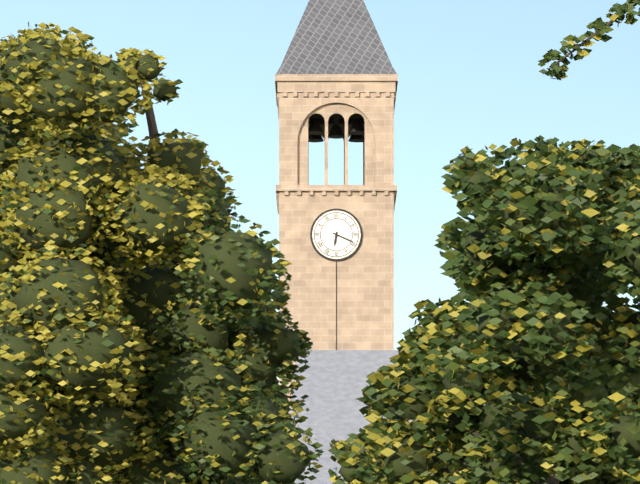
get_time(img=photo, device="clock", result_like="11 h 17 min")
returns 6 h 19 min
